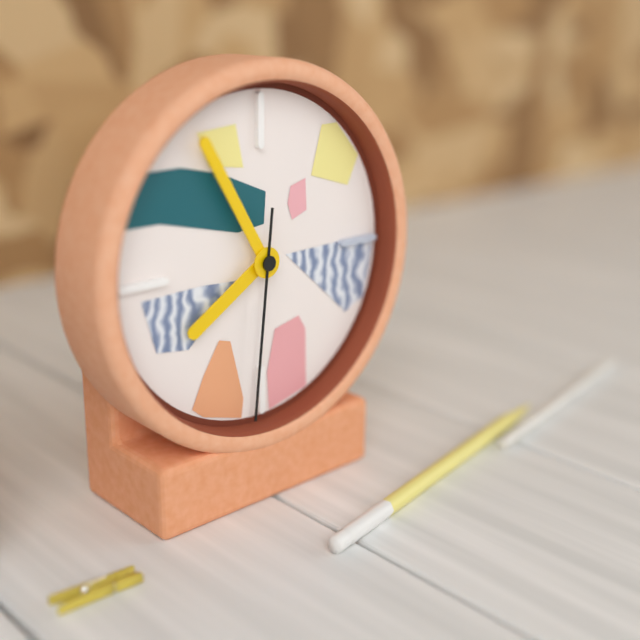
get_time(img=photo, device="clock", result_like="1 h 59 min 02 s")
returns 7 h 55 min 31 s
